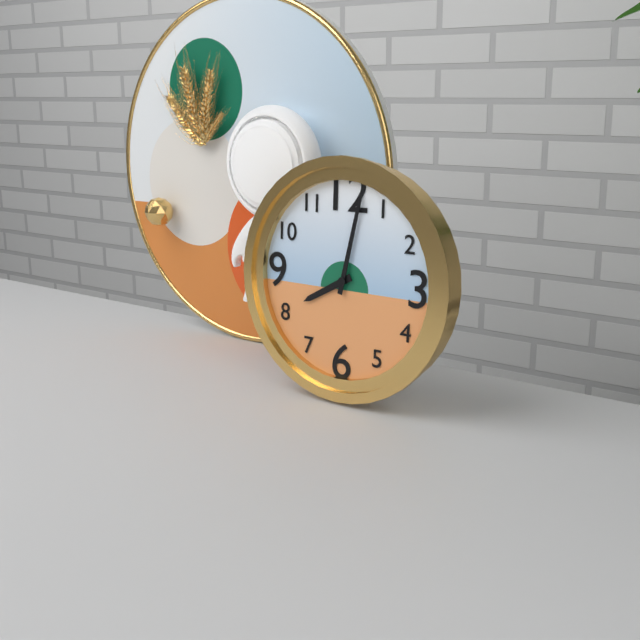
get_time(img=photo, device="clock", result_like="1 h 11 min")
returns 8 h 02 min
